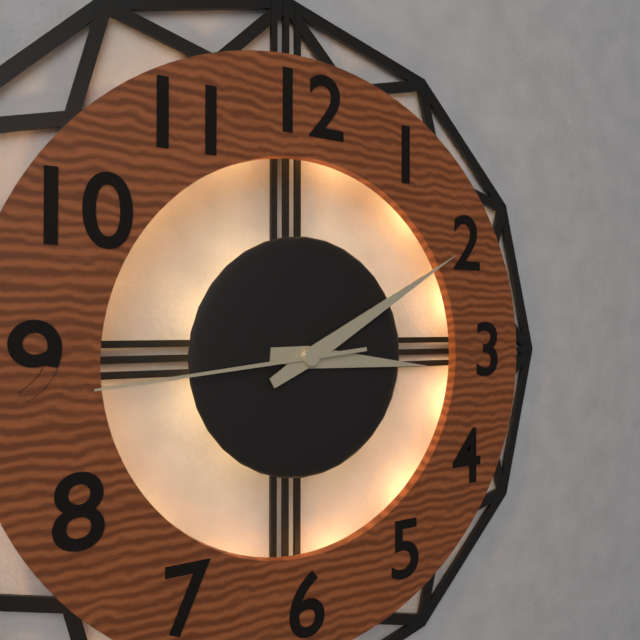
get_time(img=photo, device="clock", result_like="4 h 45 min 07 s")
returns 3 h 10 min 44 s
